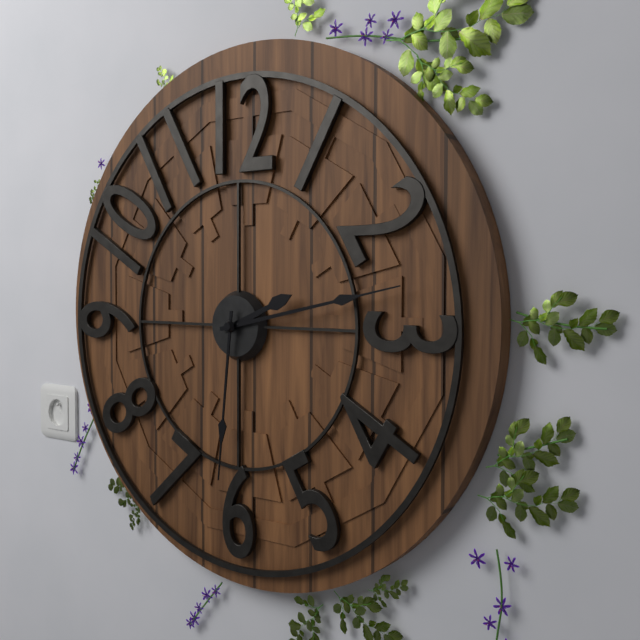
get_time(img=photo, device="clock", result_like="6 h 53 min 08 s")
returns 2 h 13 min 31 s
